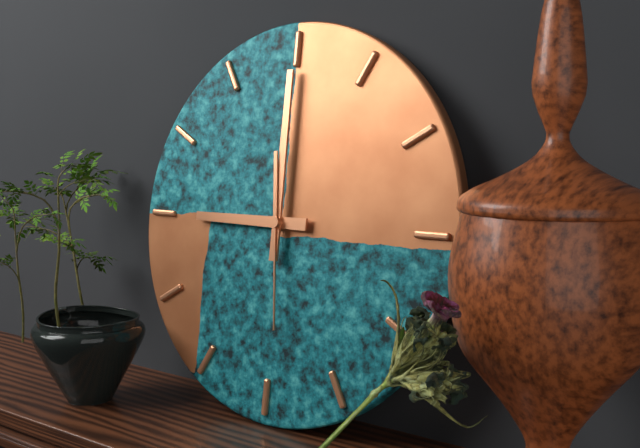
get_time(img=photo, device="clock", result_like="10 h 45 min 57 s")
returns 9 h 00 min 29 s
